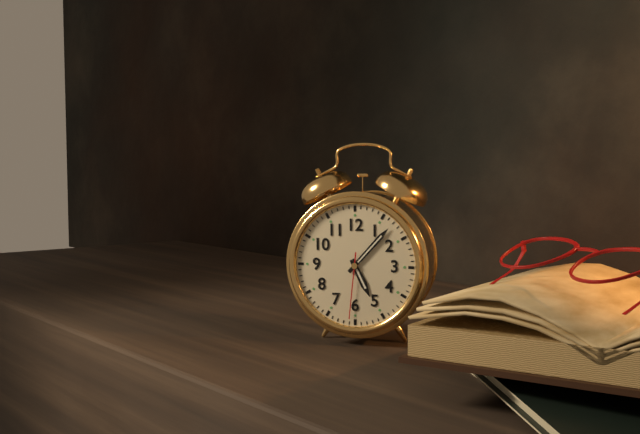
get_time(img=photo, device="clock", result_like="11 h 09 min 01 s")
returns 5 h 07 min 31 s
